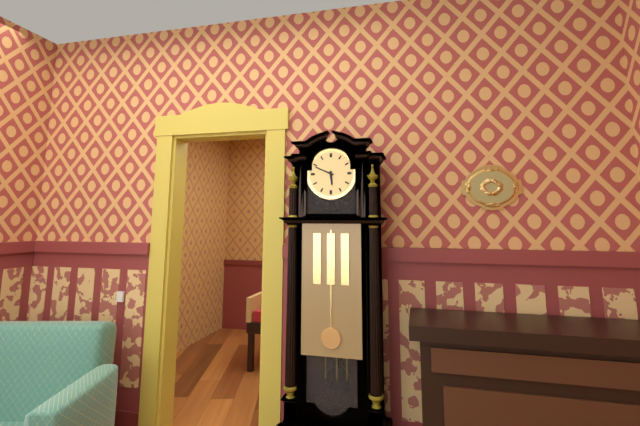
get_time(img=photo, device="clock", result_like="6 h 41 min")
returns 5 h 49 min
